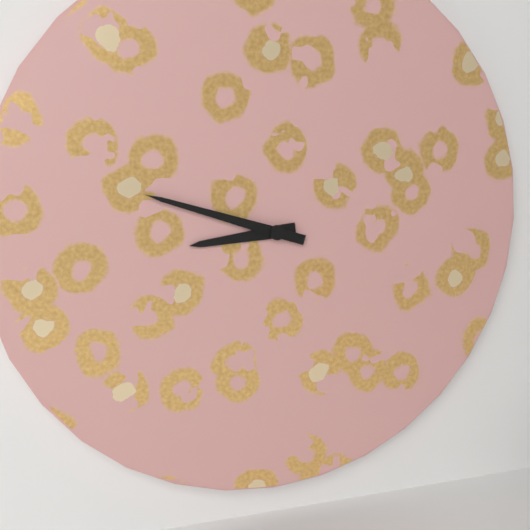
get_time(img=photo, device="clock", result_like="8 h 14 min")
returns 8 h 48 min
